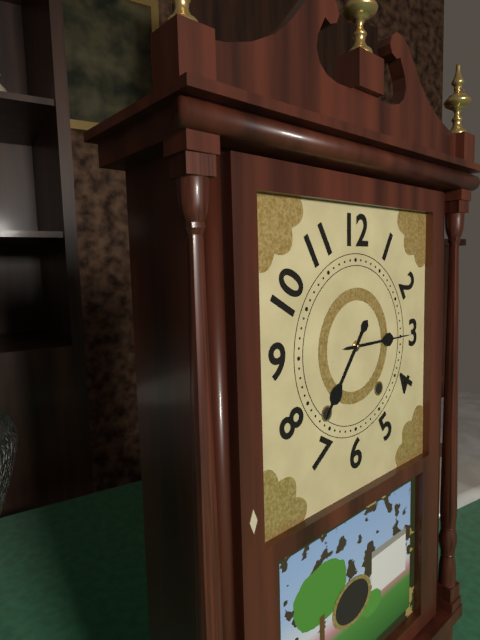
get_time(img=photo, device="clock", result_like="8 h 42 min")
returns 7 h 15 min
